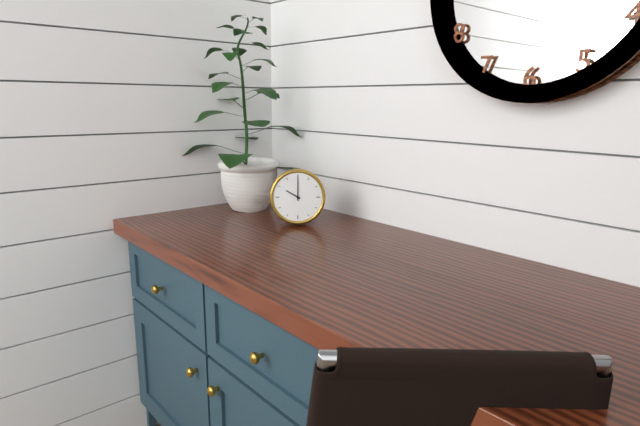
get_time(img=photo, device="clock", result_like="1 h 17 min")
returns 10 h 00 min
